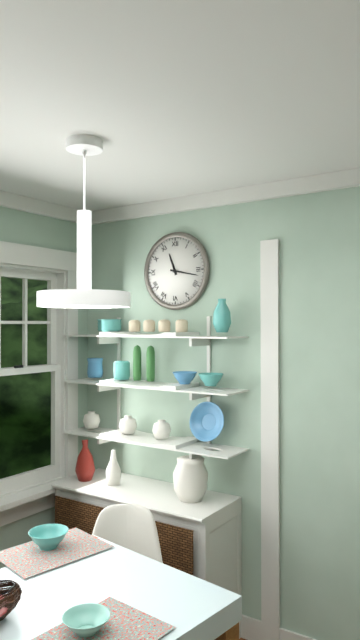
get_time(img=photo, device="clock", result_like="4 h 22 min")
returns 11 h 17 min
